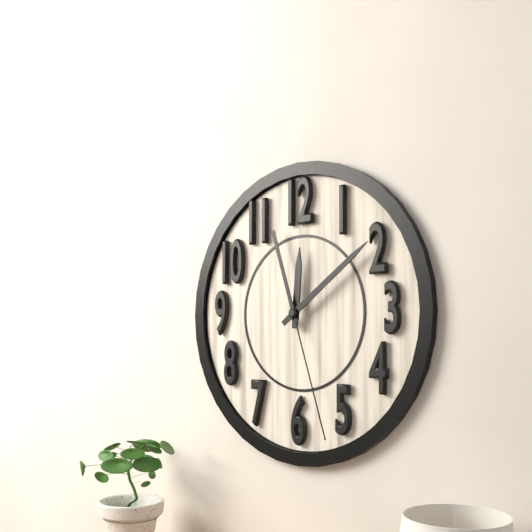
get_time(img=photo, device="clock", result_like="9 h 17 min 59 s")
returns 12 h 09 min 27 s
